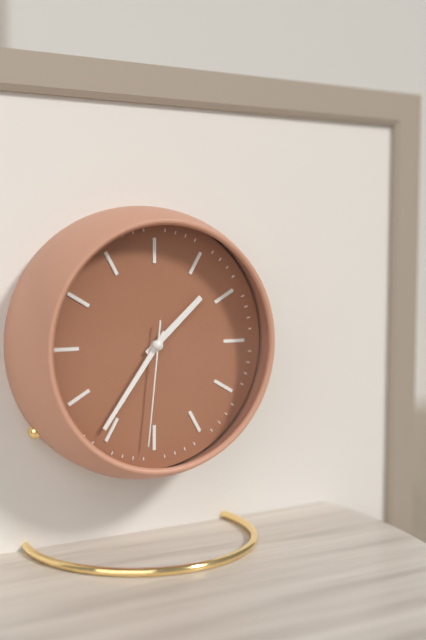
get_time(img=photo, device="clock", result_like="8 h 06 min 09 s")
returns 1 h 36 min 31 s
